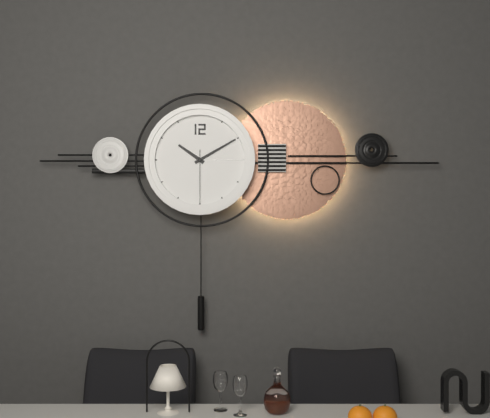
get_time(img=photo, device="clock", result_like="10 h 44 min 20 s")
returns 10 h 10 min 30 s
